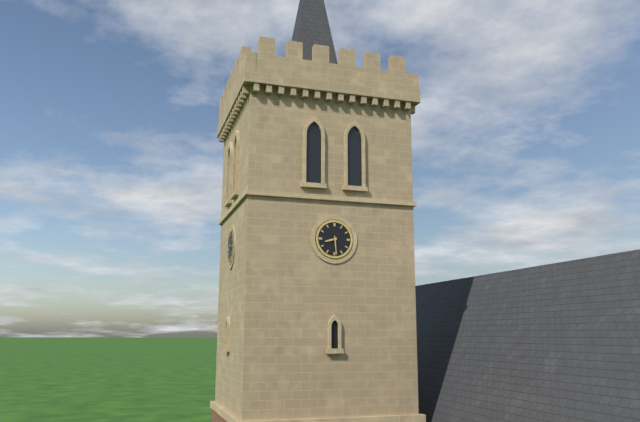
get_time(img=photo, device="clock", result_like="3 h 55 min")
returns 8 h 29 min
